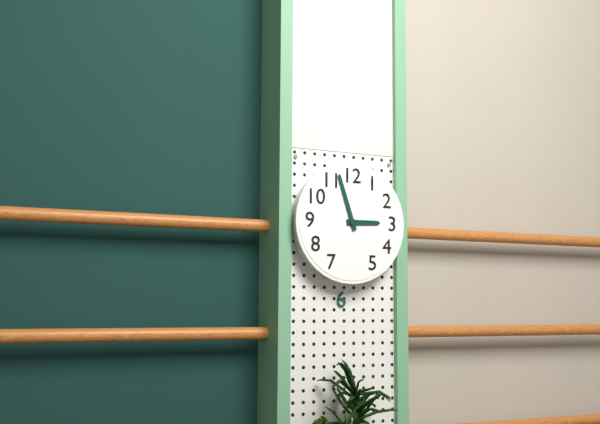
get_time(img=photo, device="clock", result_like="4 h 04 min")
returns 2 h 57 min
